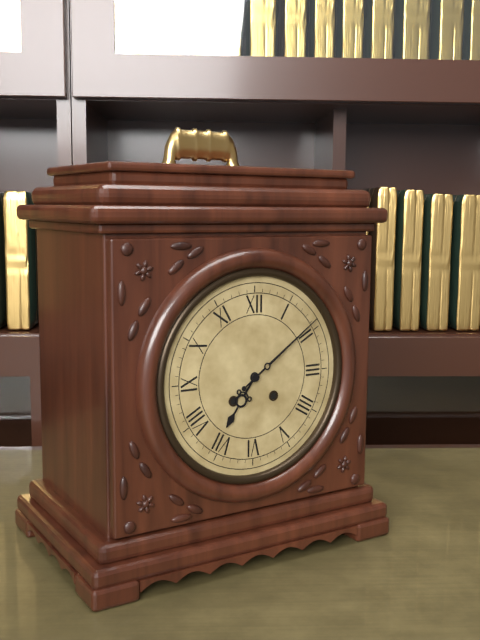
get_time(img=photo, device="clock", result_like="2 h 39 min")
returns 7 h 09 min
